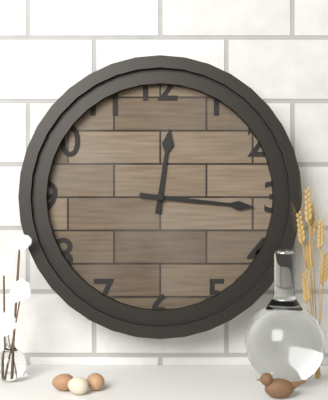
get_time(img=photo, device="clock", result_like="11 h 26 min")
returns 12 h 16 min
